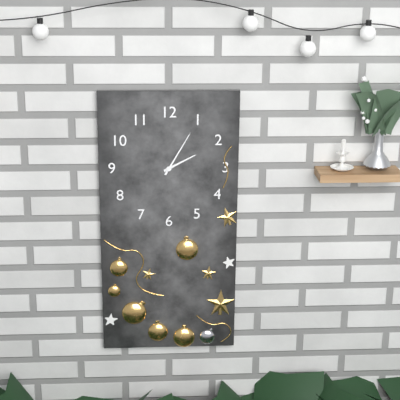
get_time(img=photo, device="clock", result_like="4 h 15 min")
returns 2 h 05 min
